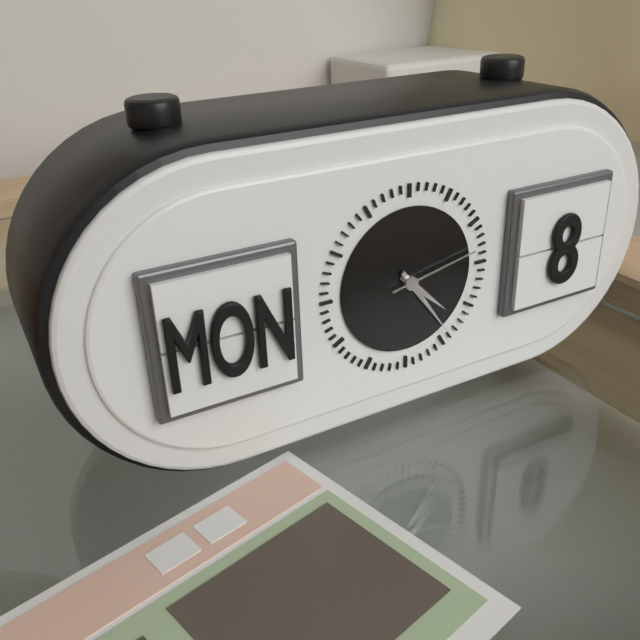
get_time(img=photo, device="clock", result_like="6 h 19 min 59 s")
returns 4 h 24 min 13 s
